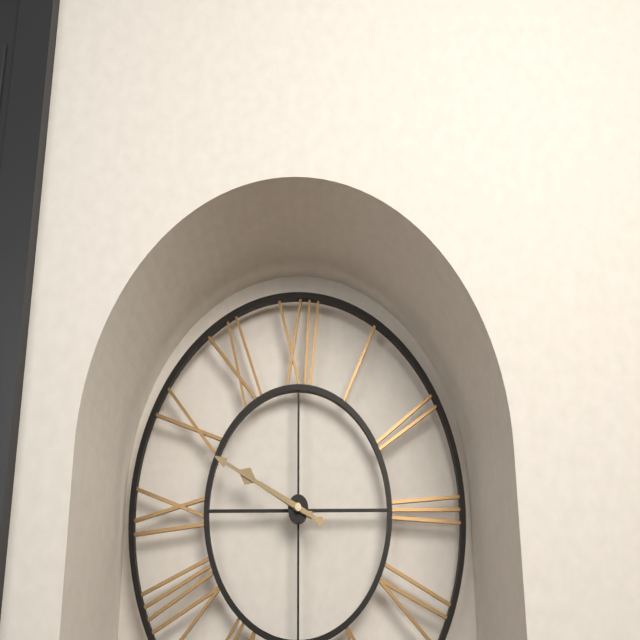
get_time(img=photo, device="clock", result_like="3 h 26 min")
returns 9 h 49 min
